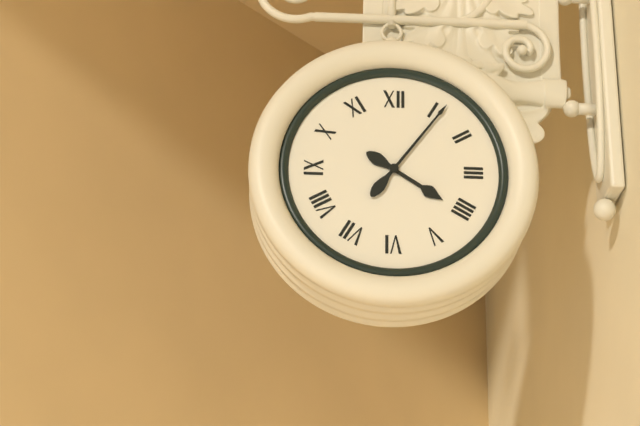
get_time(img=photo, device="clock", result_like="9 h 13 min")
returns 4 h 06 min
